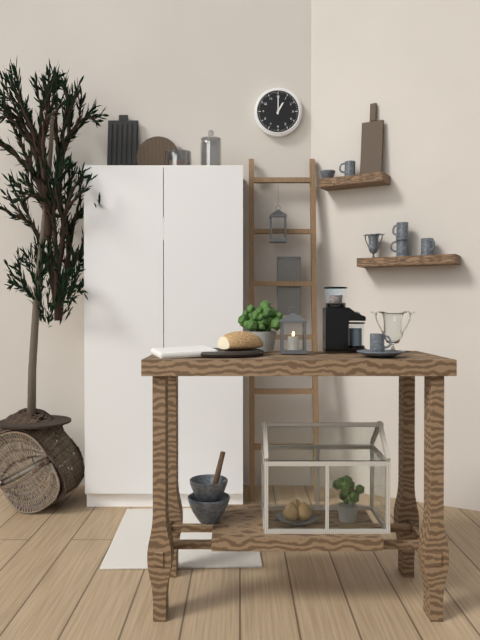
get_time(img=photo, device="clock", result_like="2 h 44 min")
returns 1 h 00 min
